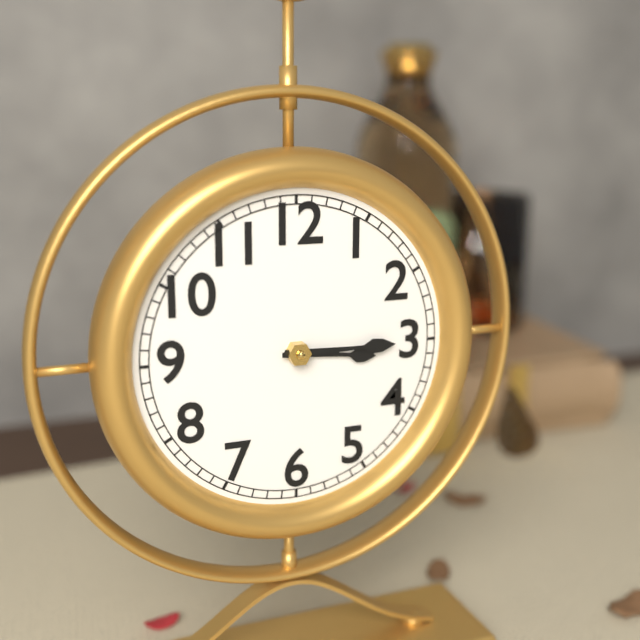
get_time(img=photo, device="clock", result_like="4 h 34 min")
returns 3 h 15 min
